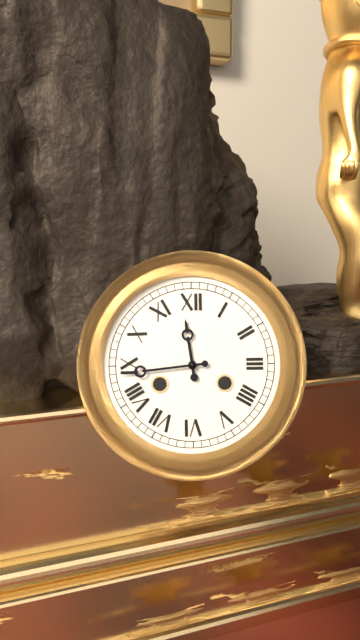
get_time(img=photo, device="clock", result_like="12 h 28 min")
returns 11 h 44 min
